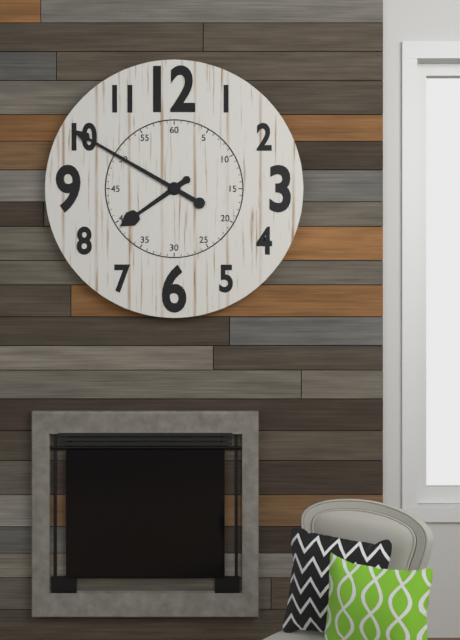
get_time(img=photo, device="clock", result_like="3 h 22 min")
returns 7 h 50 min
